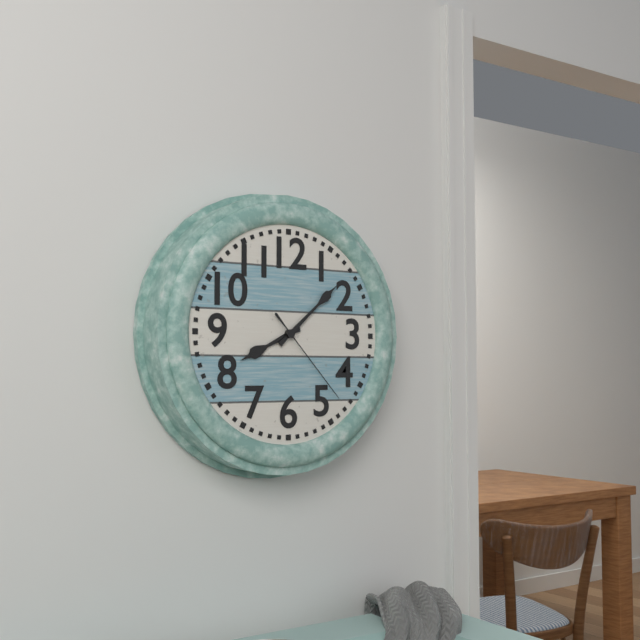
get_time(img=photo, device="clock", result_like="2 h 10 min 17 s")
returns 8 h 08 min 23 s
